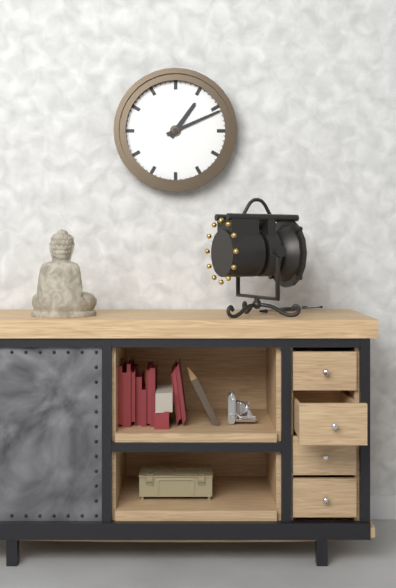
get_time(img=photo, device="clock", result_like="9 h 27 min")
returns 1 h 11 min
